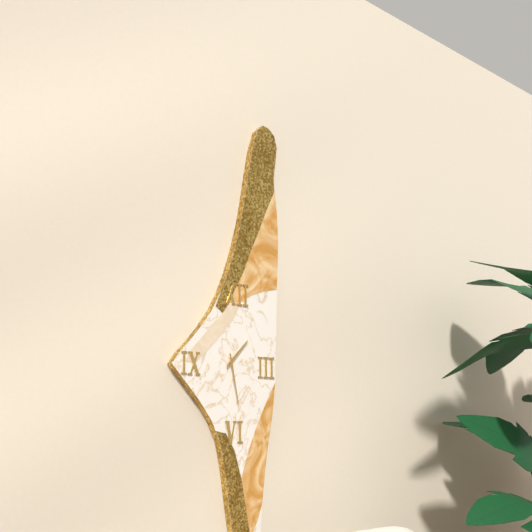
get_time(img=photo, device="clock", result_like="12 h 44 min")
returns 1 h 28 min
